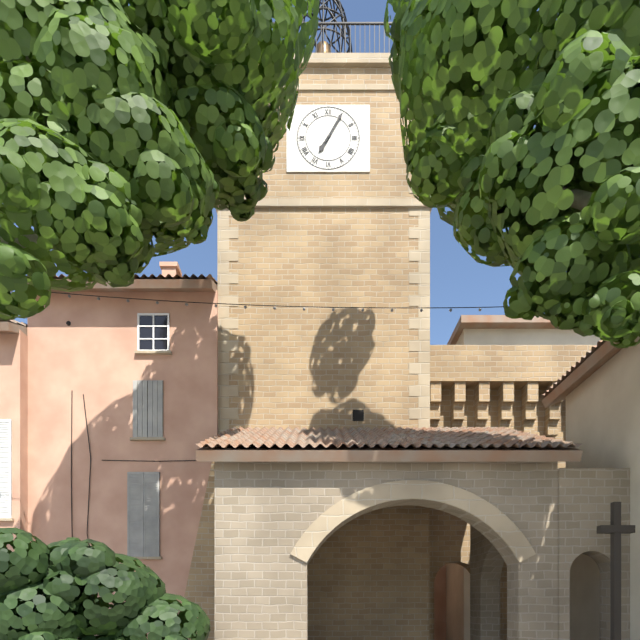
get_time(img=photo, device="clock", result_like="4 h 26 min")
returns 7 h 05 min
